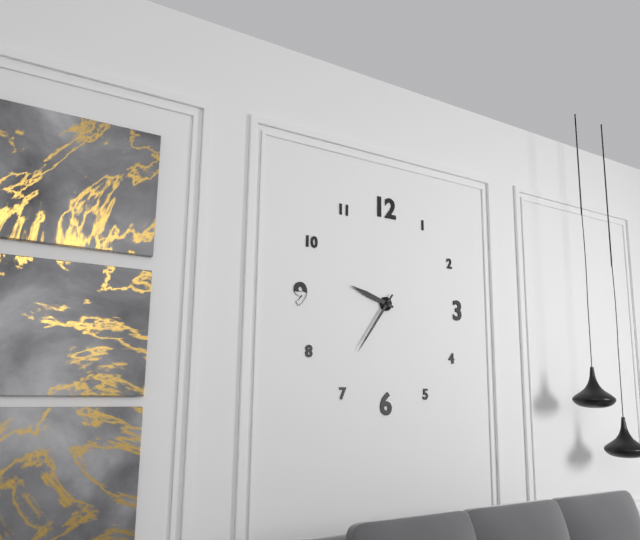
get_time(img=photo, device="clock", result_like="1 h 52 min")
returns 9 h 36 min
